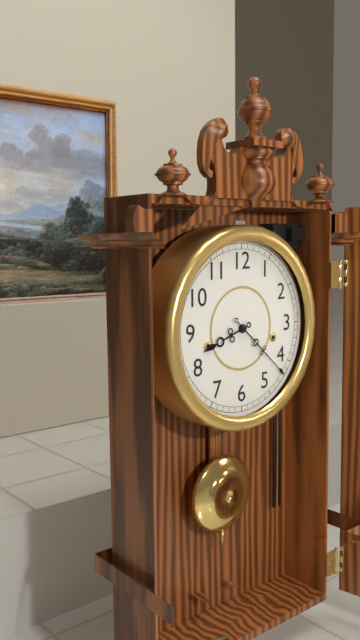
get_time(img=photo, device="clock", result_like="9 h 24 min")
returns 8 h 22 min
